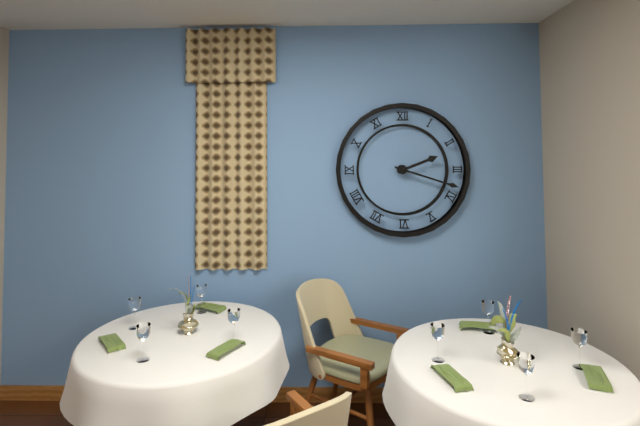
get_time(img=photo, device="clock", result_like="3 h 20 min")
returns 2 h 18 min
